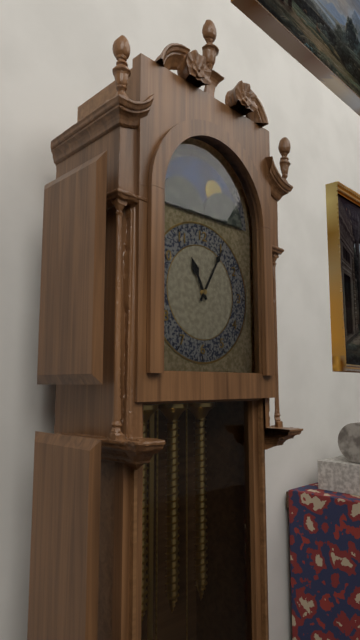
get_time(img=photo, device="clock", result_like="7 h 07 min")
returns 11 h 05 min
